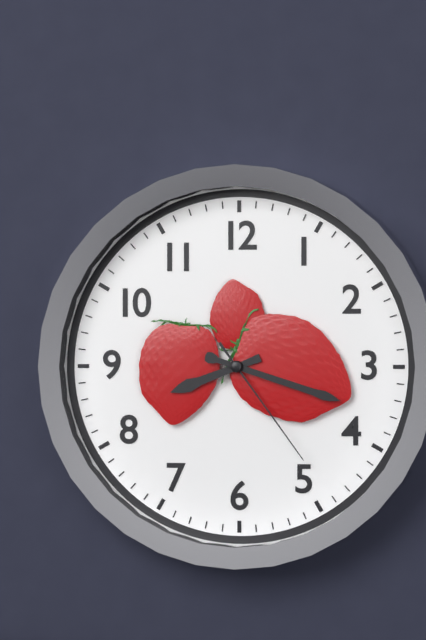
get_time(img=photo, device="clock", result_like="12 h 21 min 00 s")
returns 8 h 18 min 24 s
